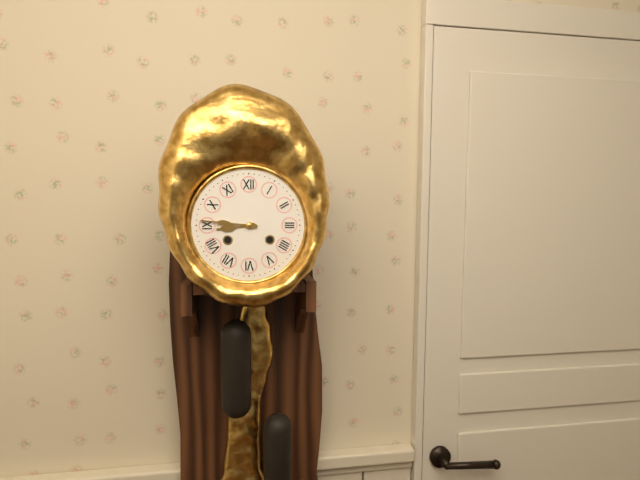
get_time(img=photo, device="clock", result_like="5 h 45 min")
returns 8 h 46 min
